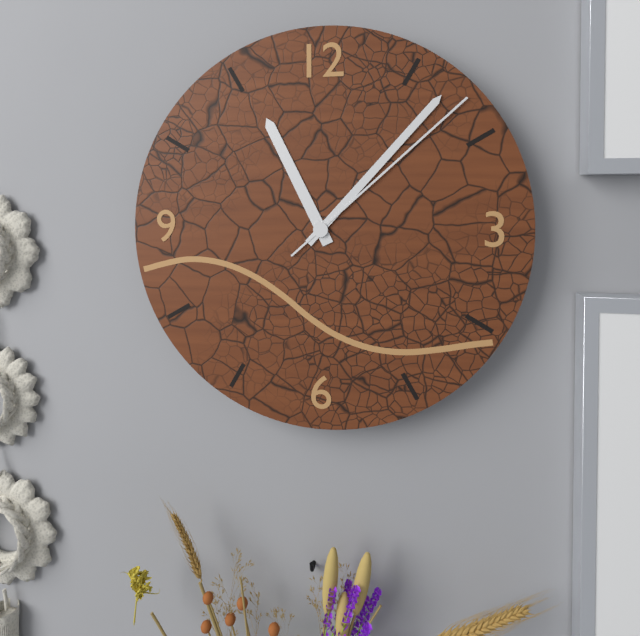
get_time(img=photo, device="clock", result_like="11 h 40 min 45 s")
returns 11 h 07 min 08 s
